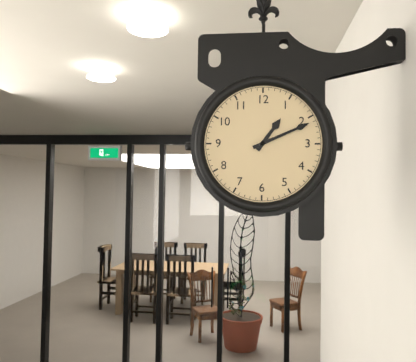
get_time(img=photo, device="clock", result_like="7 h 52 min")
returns 1 h 11 min
